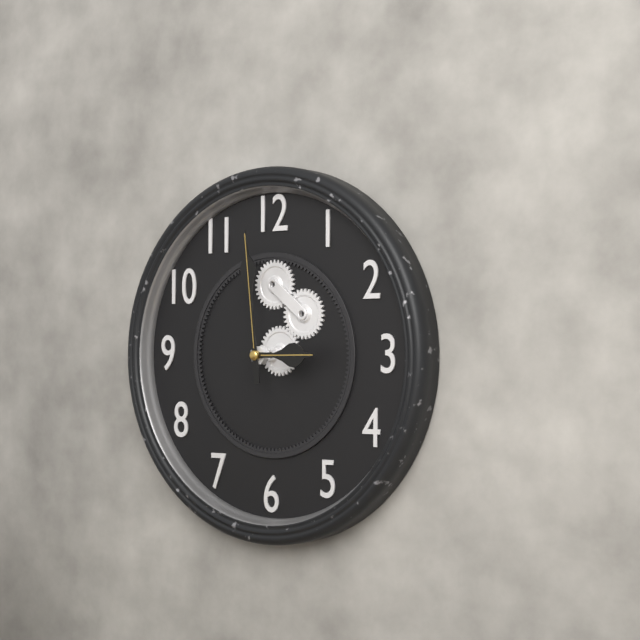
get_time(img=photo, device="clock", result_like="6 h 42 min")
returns 2 h 59 min
